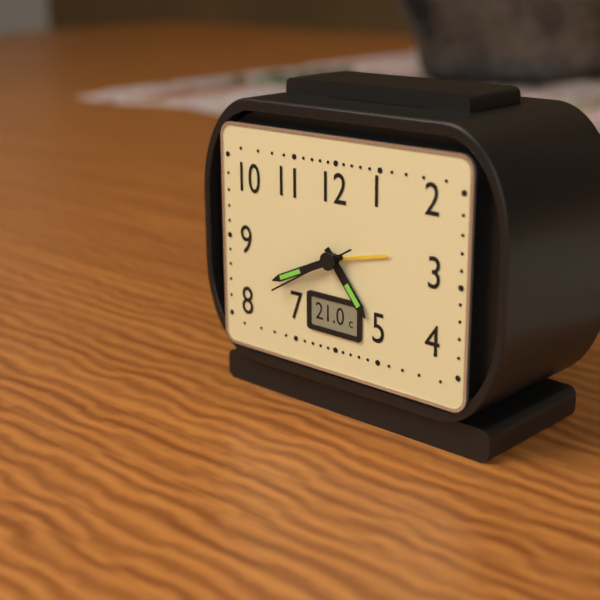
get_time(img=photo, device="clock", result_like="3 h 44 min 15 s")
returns 4 h 41 min 40 s
